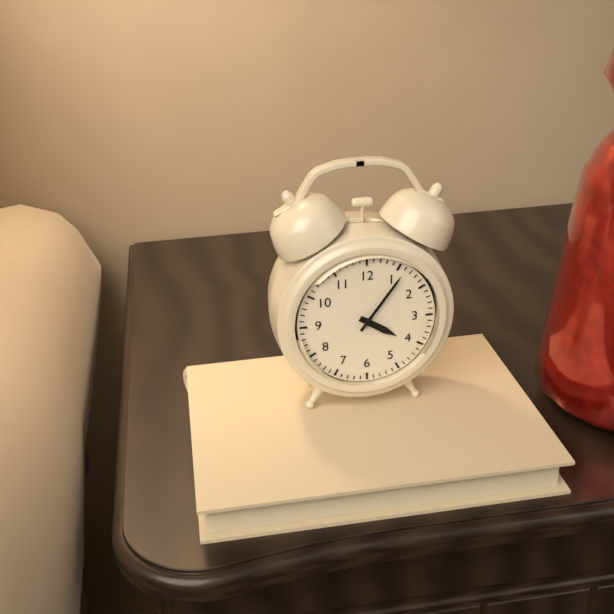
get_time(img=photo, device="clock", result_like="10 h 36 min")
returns 4 h 06 min
